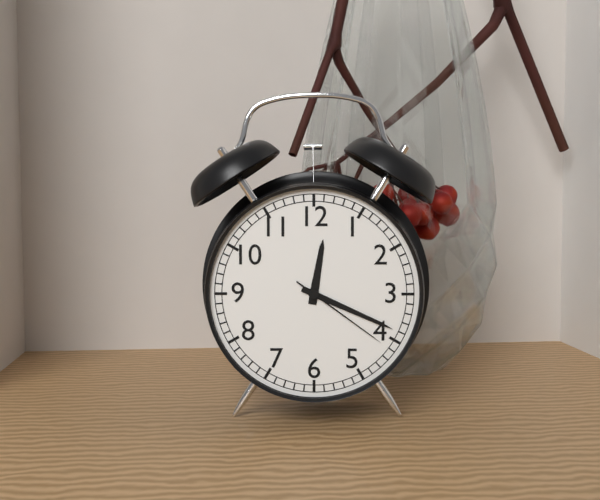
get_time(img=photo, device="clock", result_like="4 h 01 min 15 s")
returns 12 h 19 min 21 s
